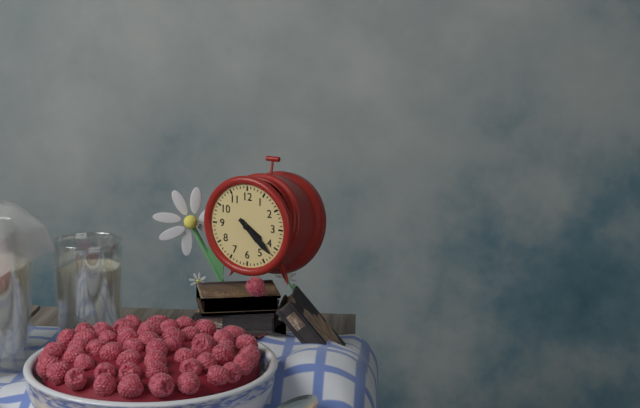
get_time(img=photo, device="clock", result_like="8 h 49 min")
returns 4 h 22 min
